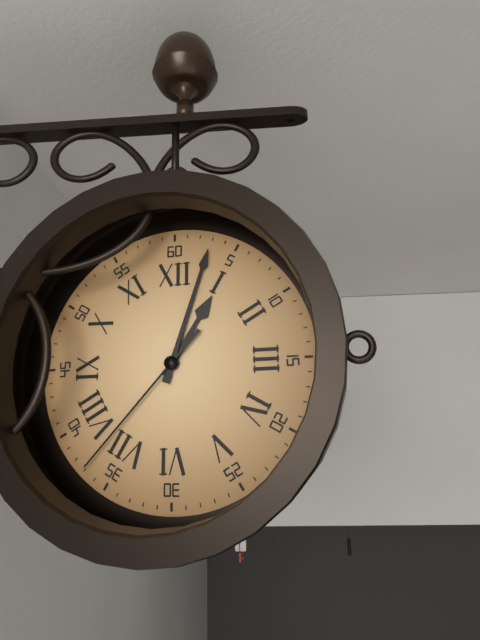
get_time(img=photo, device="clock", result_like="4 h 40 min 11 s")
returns 1 h 03 min 37 s
